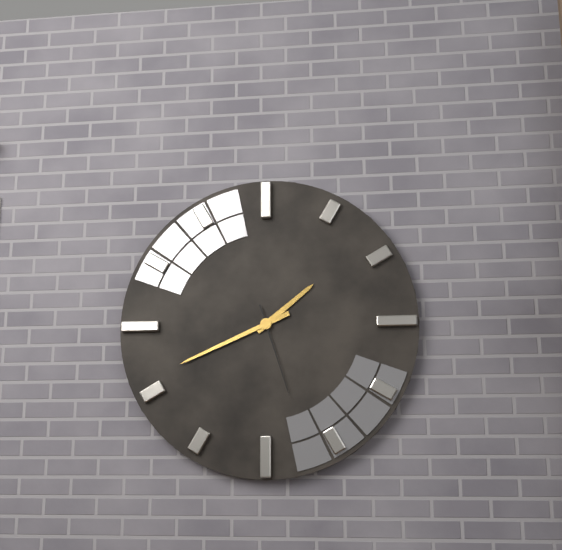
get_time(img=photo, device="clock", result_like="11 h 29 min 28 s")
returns 1 h 41 min 27 s
